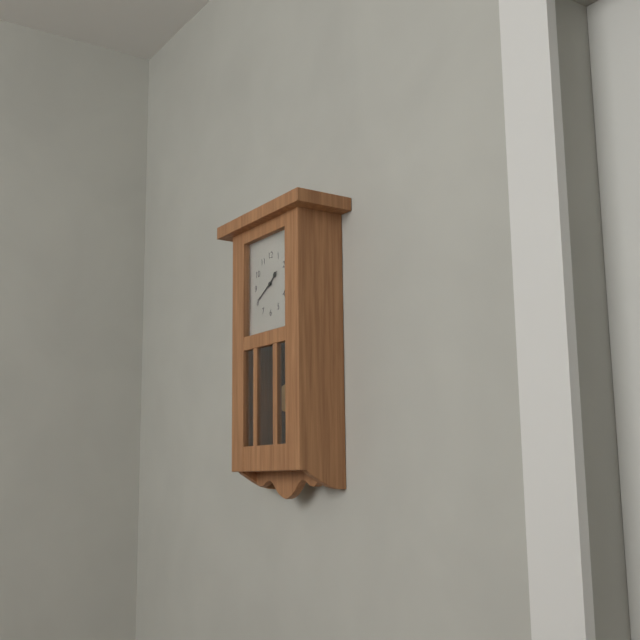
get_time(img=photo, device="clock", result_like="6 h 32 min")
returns 1 h 40 min
